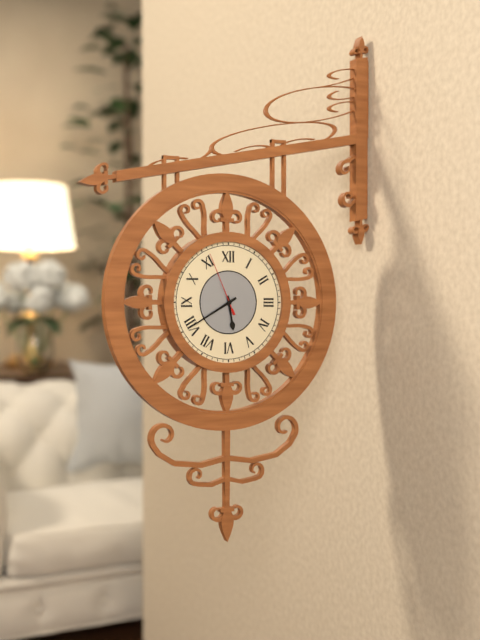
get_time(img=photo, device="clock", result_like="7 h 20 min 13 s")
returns 5 h 40 min 56 s
